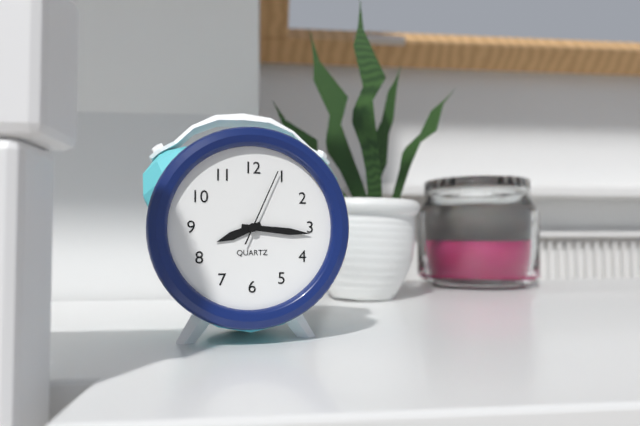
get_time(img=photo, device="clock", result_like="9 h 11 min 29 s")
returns 8 h 16 min 04 s
